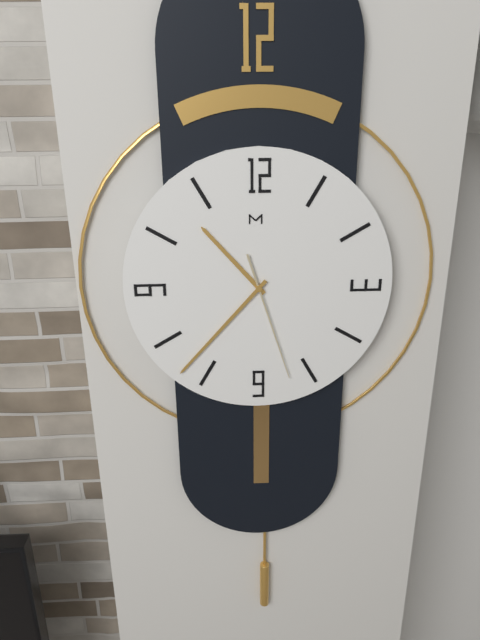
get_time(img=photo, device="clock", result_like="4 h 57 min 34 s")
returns 10 h 37 min 27 s
